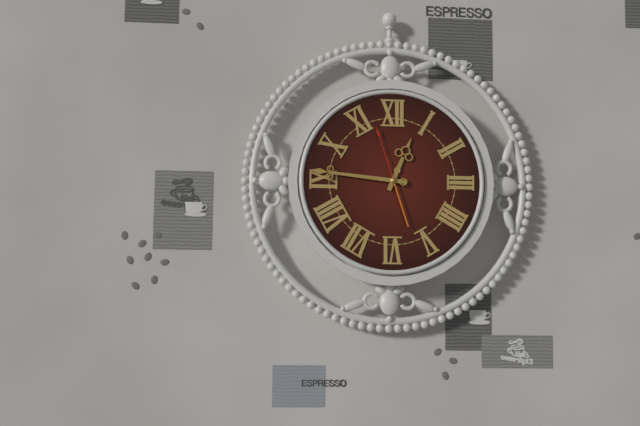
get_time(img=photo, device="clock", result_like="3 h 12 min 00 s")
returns 12 h 46 min 57 s
